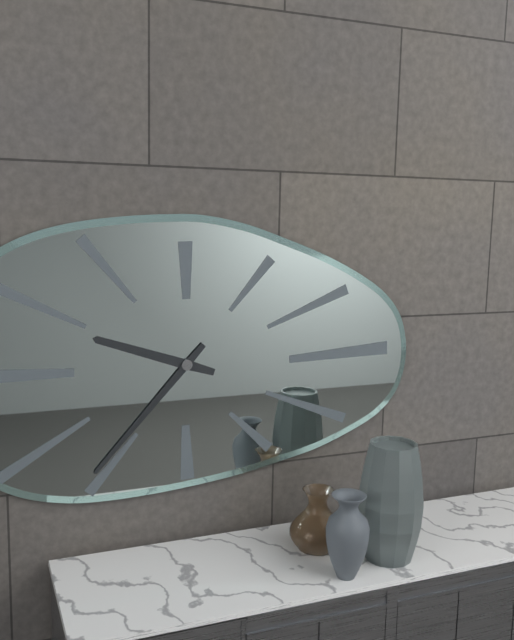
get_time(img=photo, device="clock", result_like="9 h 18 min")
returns 9 h 37 min
